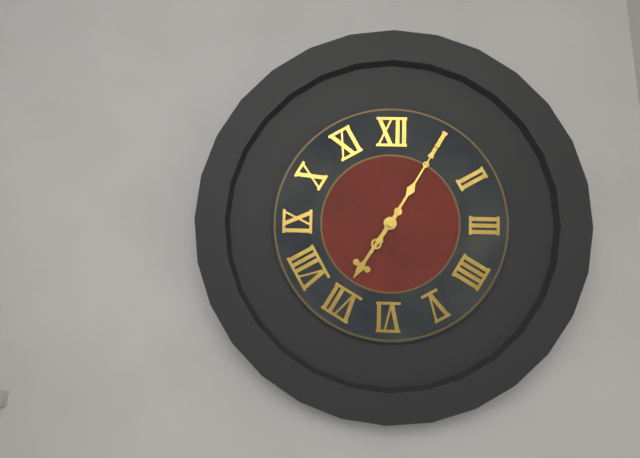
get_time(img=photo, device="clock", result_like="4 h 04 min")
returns 7 h 05 min
